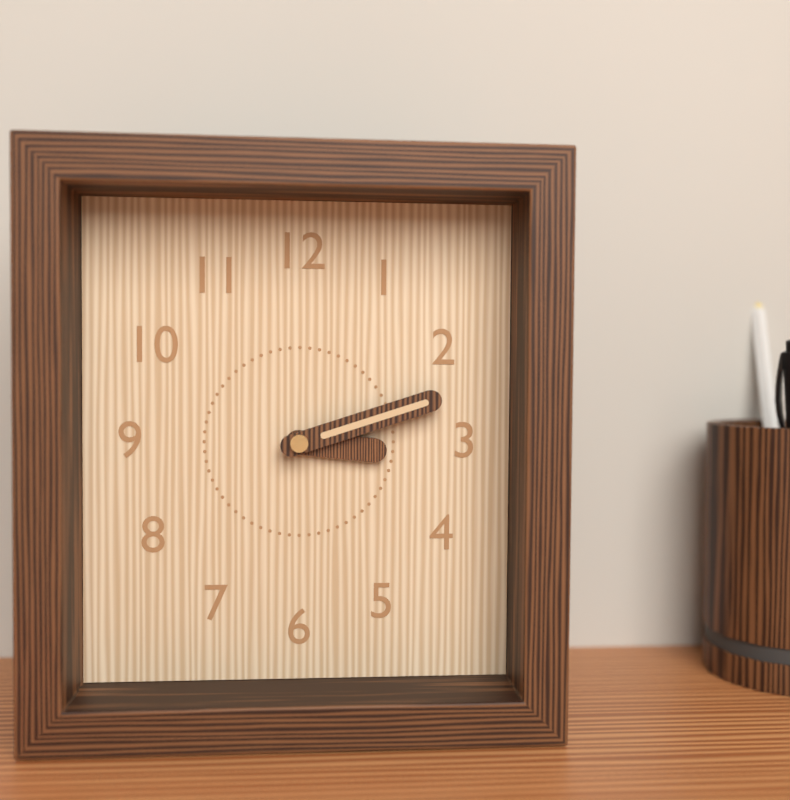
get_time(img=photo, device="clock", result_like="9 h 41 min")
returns 3 h 12 min
